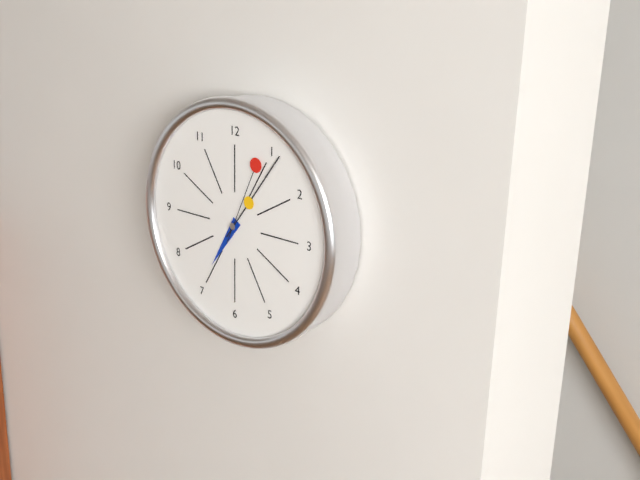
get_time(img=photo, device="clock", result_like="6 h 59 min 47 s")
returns 7 h 06 min 04 s
